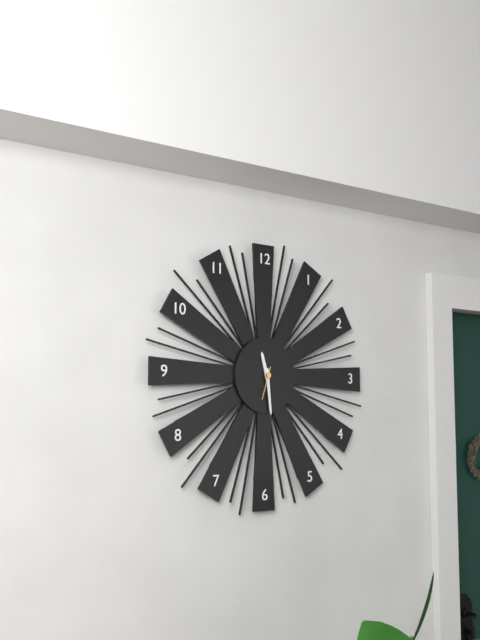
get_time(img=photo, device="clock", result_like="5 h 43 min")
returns 11 h 29 min
